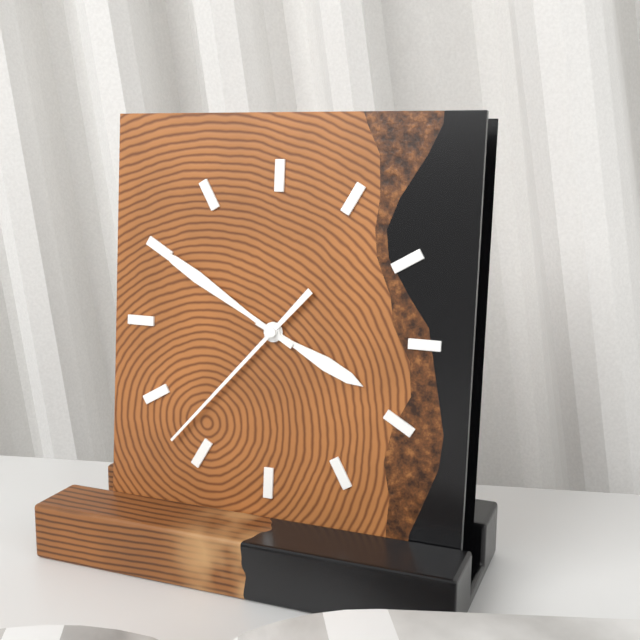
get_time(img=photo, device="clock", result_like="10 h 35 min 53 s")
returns 3 h 50 min 37 s
